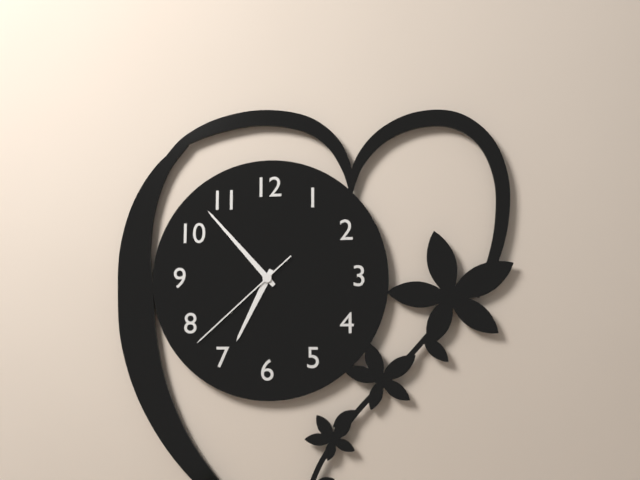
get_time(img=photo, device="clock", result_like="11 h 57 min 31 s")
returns 6 h 53 min 38 s
